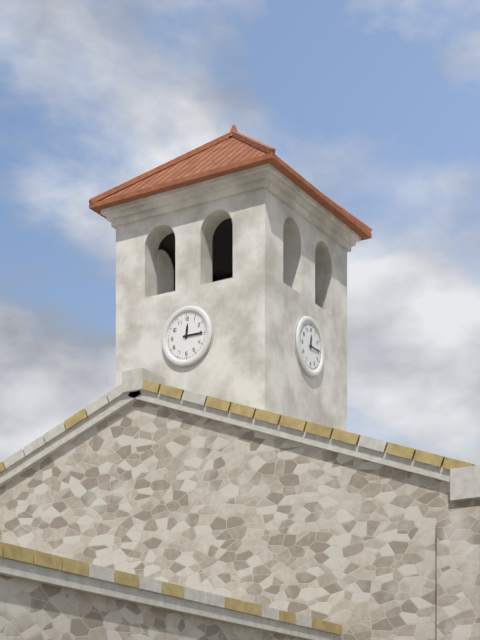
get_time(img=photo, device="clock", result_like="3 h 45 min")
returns 12 h 15 min
